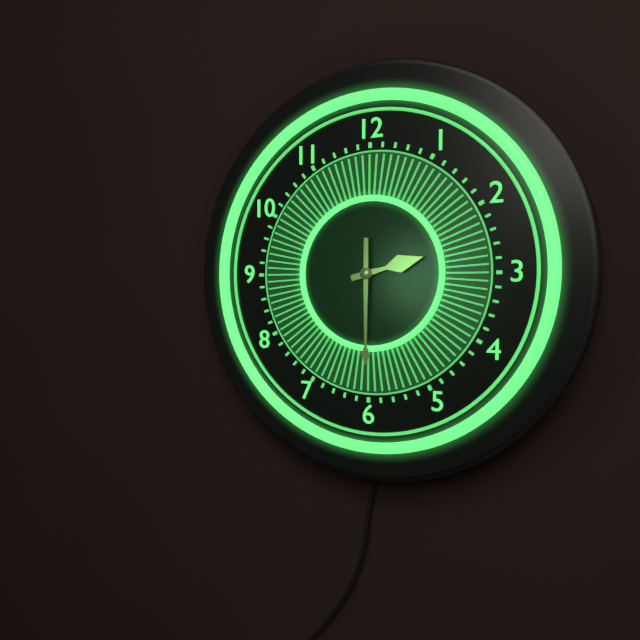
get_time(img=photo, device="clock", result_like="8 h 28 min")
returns 2 h 30 min
